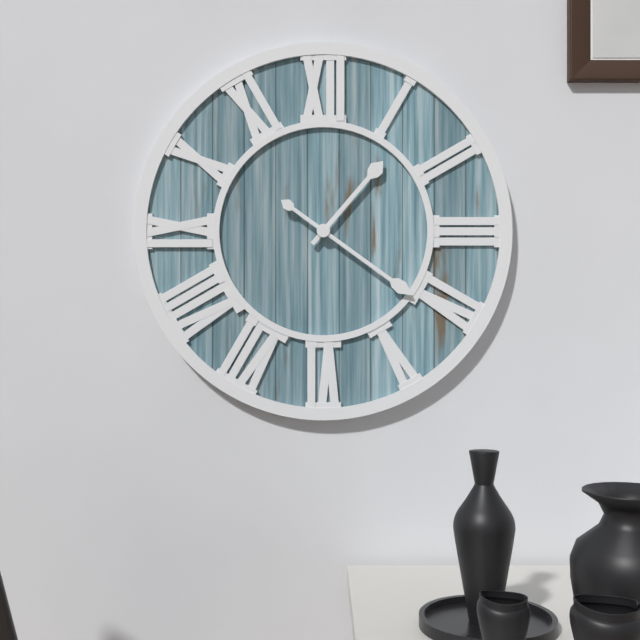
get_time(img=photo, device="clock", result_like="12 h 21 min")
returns 1 h 21 min
